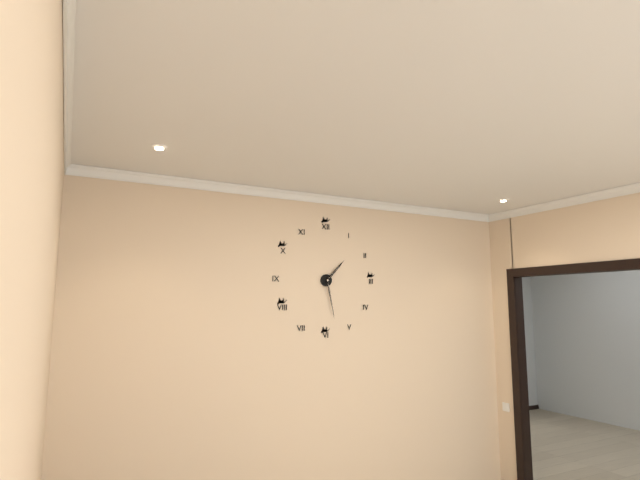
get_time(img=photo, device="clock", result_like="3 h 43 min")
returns 1 h 28 min
